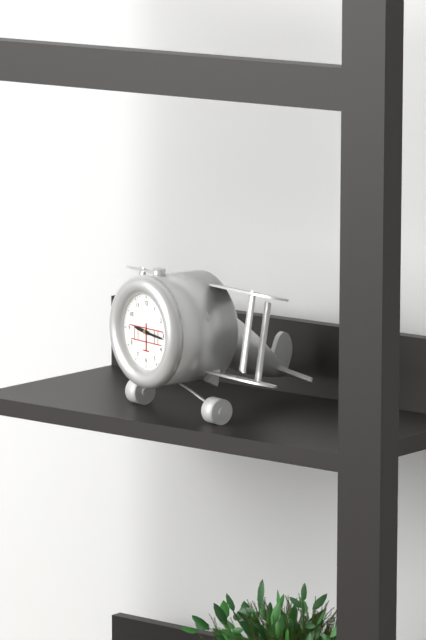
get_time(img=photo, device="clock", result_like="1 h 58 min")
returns 9 h 16 min
